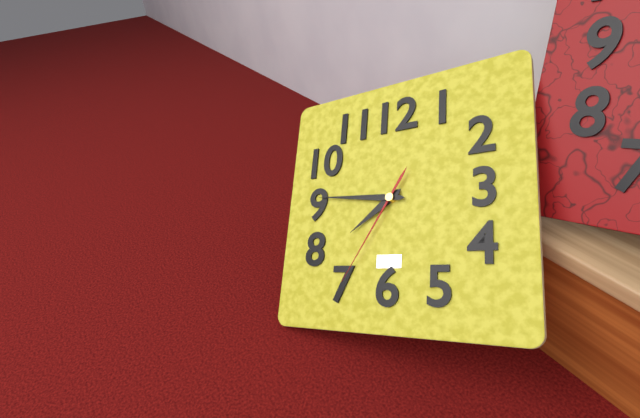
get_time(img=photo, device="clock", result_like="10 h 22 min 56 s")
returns 7 h 46 min 35 s
